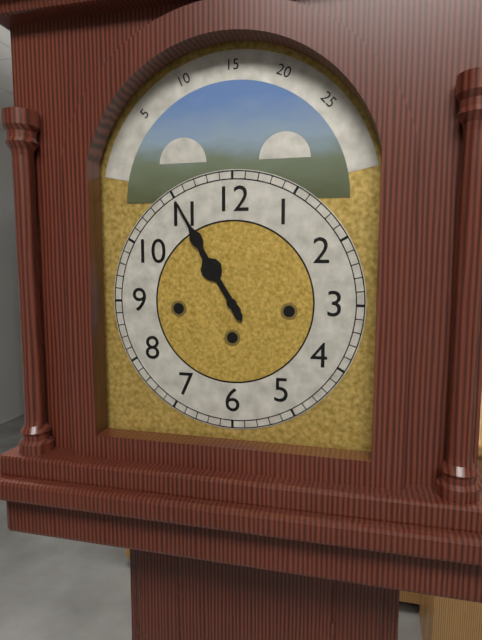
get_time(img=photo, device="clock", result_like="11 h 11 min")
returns 10 h 55 min
